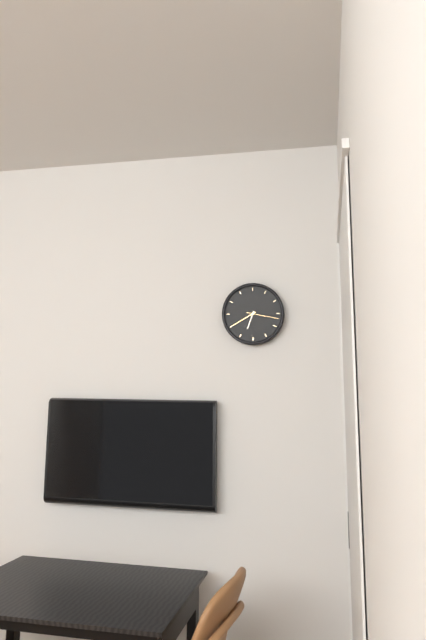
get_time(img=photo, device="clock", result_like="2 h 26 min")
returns 6 h 40 min
